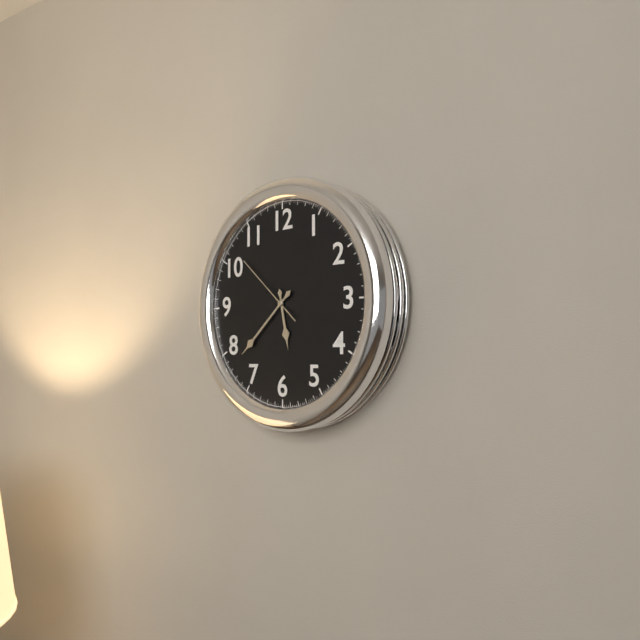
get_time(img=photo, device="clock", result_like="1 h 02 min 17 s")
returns 5 h 38 min 52 s
